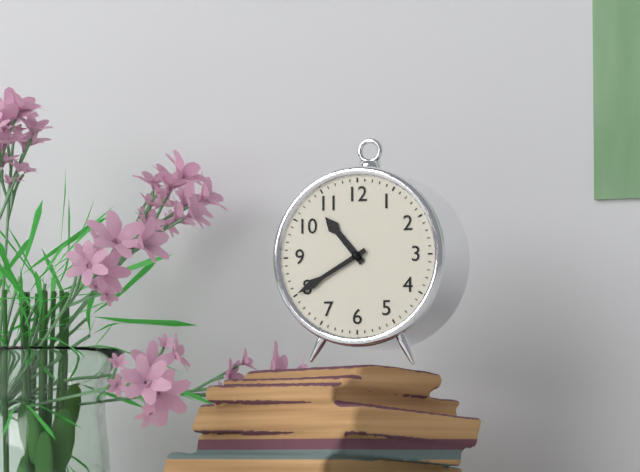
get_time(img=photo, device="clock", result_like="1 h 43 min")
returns 10 h 40 min
